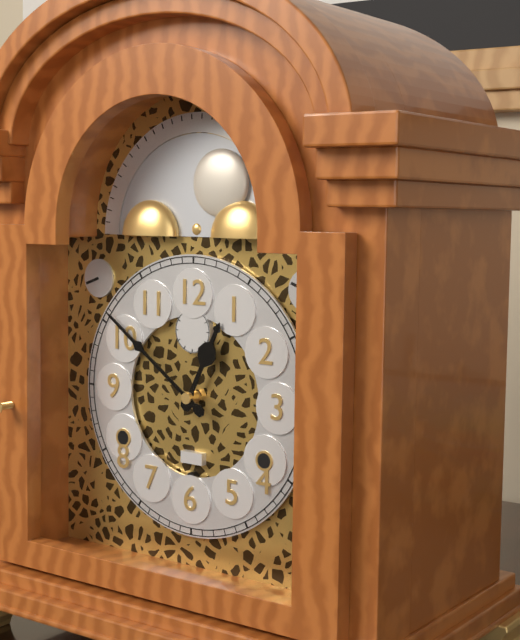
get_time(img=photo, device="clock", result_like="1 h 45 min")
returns 12 h 51 min
